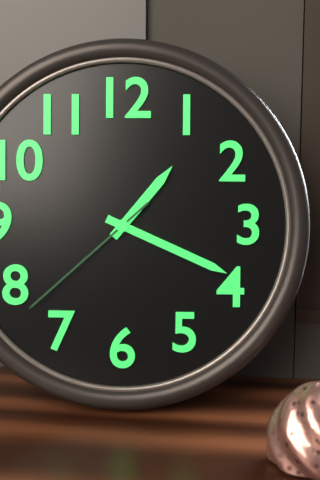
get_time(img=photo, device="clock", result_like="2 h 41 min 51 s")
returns 1 h 19 min 38 s
